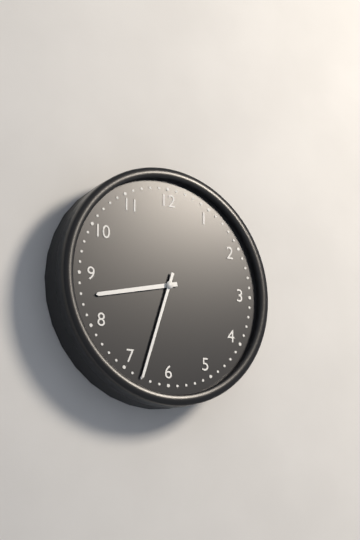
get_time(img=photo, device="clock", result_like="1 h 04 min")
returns 8 h 33 min
